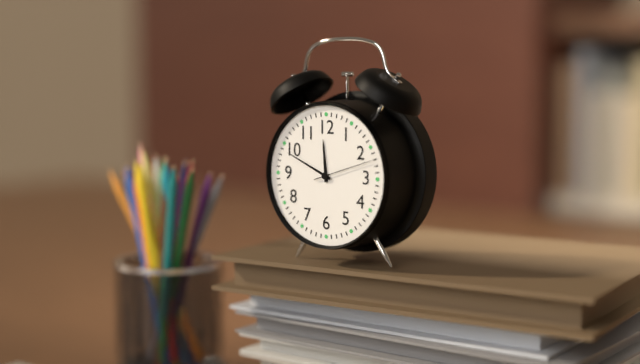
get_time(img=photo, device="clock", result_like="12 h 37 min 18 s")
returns 11 h 49 min 12 s
